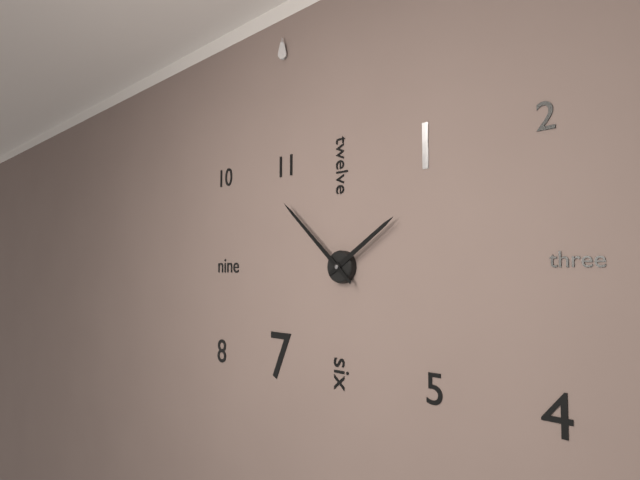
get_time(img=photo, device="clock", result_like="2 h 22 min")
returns 1 h 52 min
